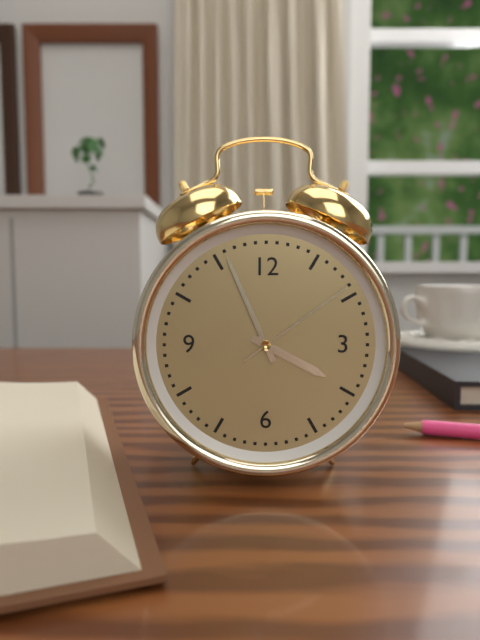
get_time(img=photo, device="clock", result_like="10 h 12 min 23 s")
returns 3 h 56 min 09 s
